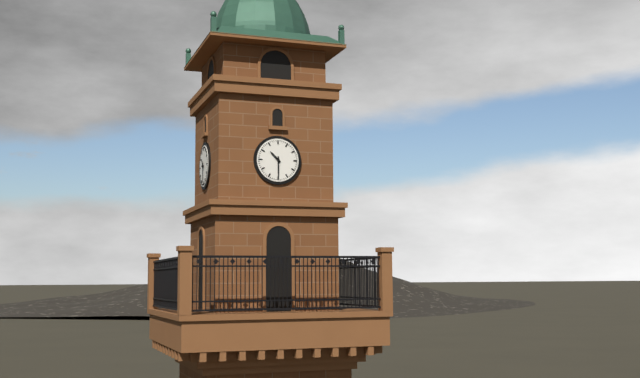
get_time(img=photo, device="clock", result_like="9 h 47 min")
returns 10 h 30 min
